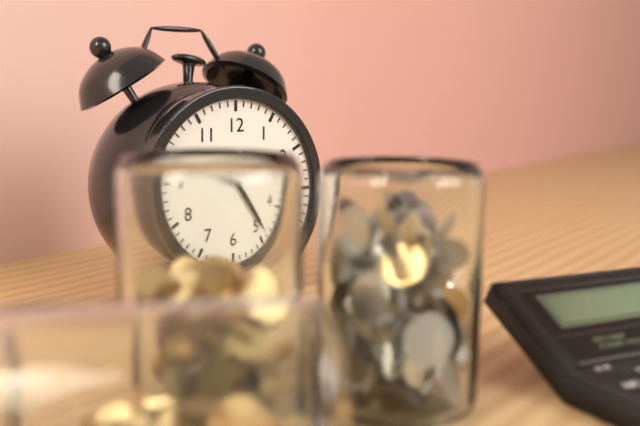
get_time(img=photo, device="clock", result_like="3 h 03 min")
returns 10 h 24 min
